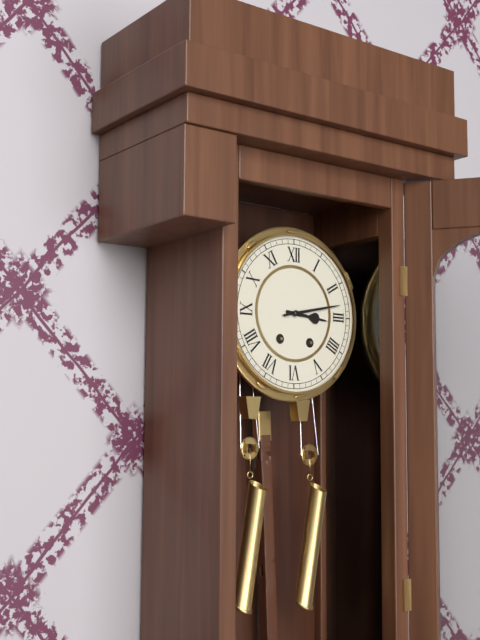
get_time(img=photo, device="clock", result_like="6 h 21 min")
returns 3 h 13 min
